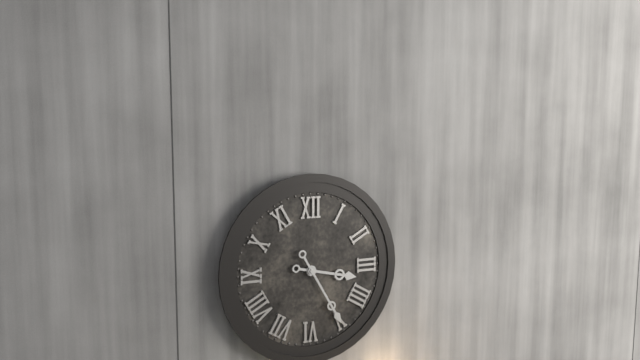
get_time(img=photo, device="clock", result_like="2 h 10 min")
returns 3 h 25 min
